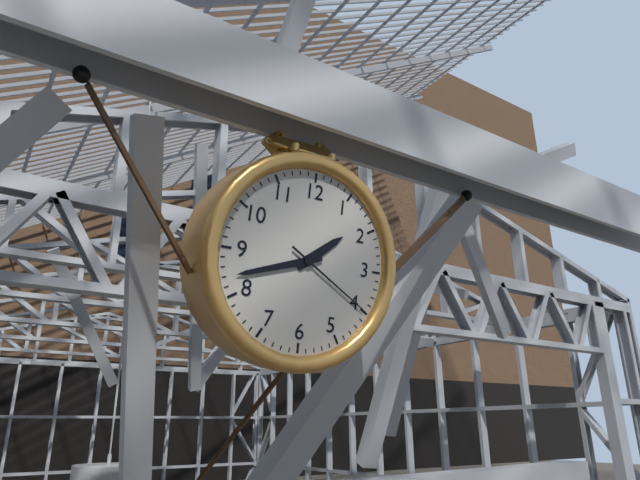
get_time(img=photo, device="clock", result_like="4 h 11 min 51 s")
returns 1 h 42 min 20 s
